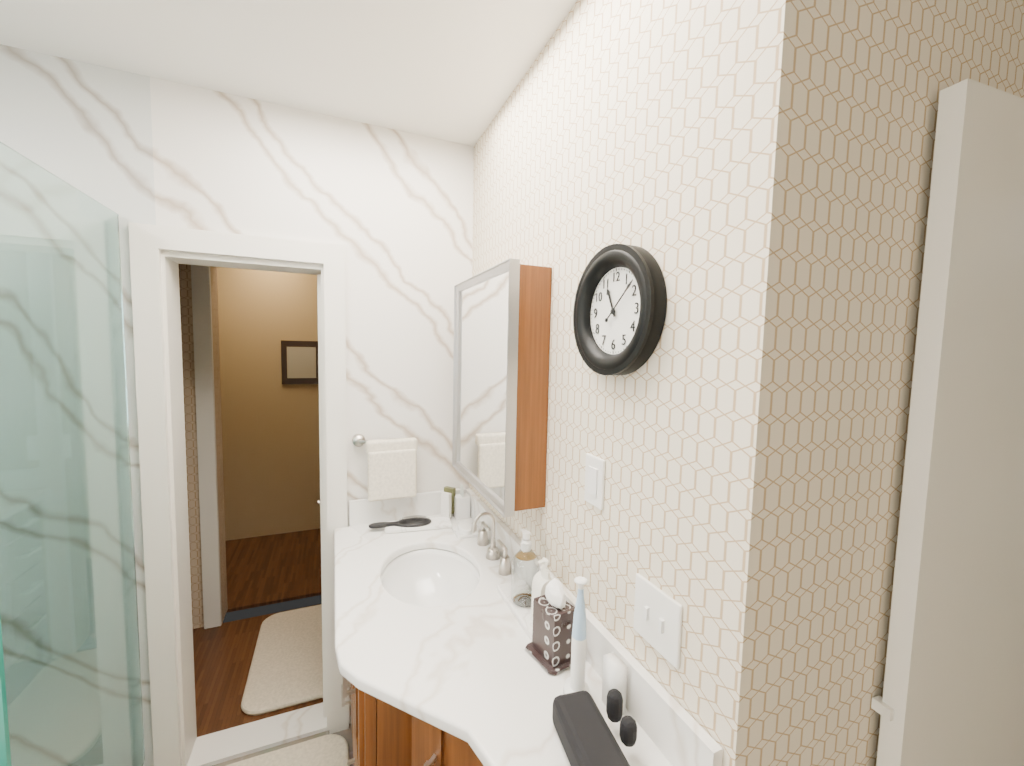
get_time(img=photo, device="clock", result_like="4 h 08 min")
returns 11 h 08 min
